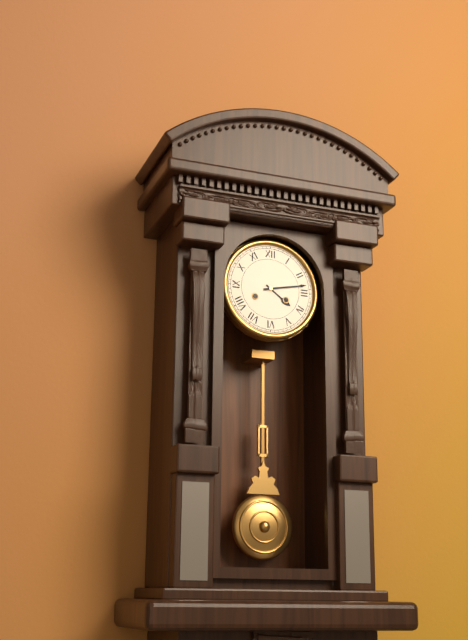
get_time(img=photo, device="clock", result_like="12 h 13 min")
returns 4 h 13 min
